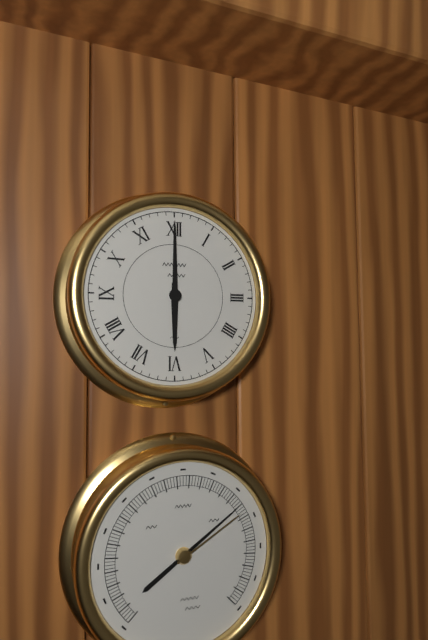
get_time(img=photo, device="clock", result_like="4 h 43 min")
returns 6 h 00 min
